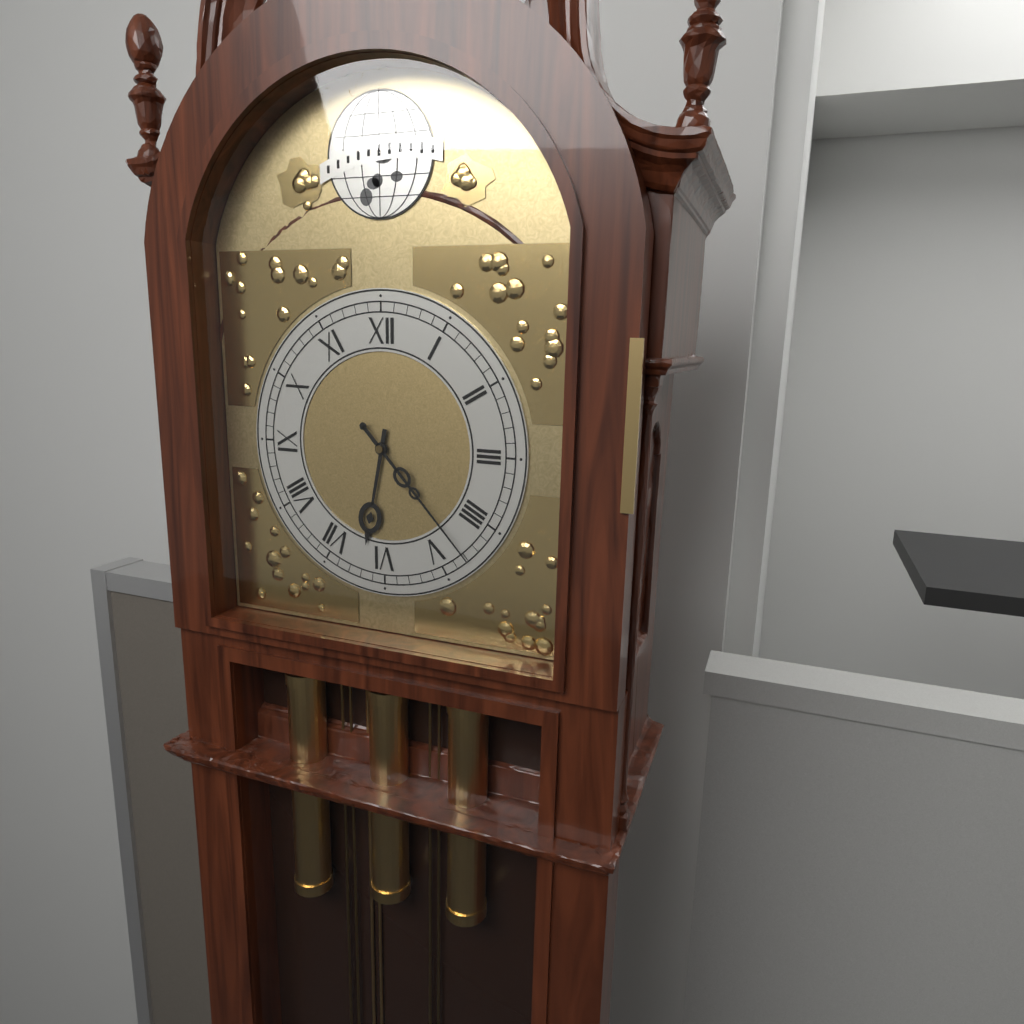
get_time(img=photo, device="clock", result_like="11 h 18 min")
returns 6 h 23 min
